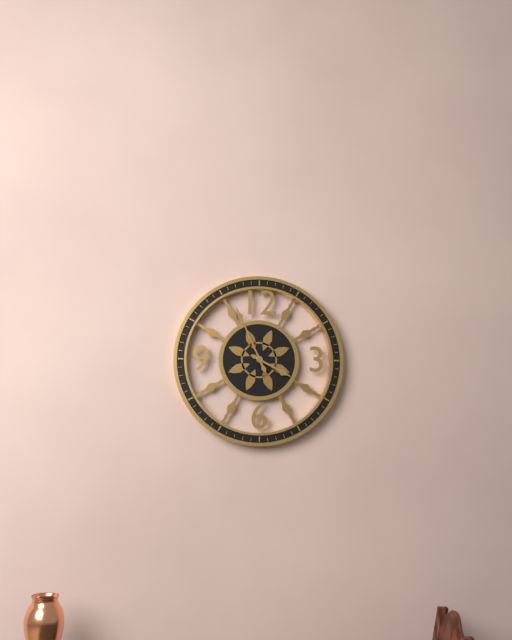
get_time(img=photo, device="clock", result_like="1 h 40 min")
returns 3 h 56 min
